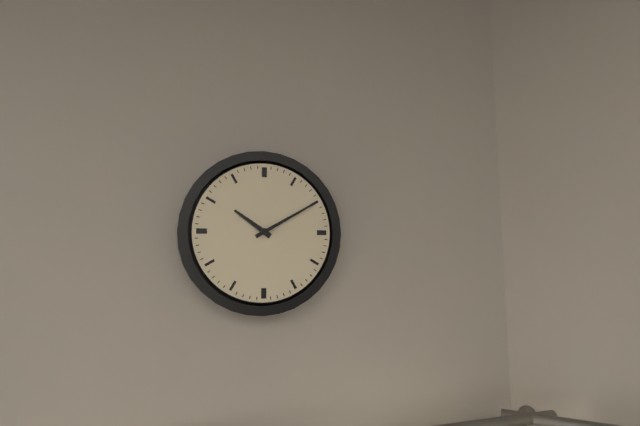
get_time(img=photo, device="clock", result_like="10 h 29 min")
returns 10 h 10 min
